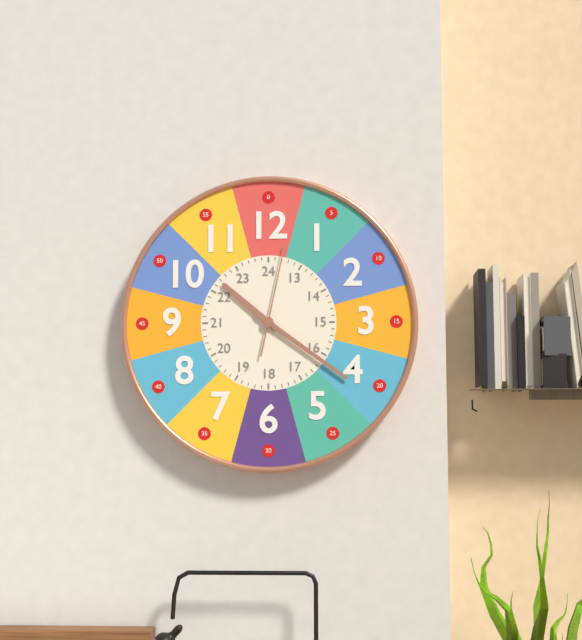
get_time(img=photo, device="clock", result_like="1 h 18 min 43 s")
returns 10 h 21 min 02 s
